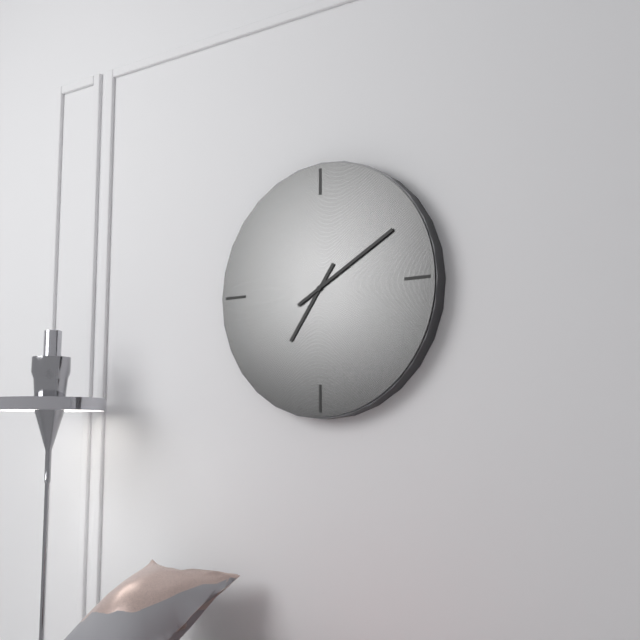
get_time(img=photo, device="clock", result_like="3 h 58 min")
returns 7 h 10 min
